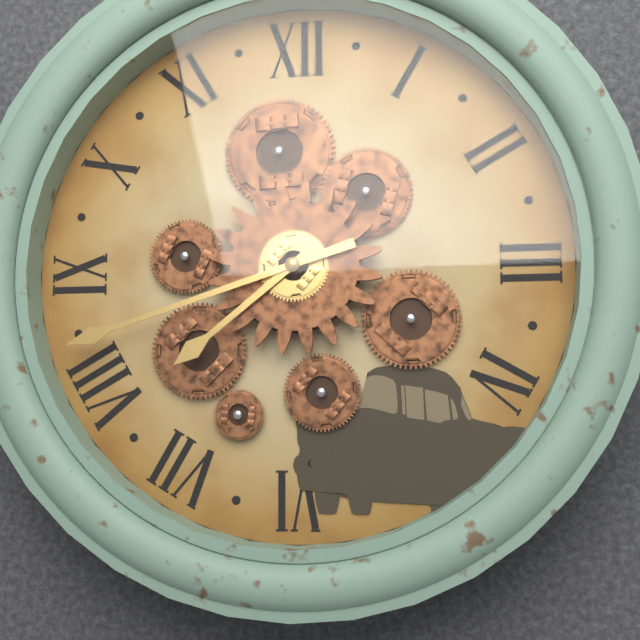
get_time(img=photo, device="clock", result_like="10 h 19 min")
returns 7 h 42 min
